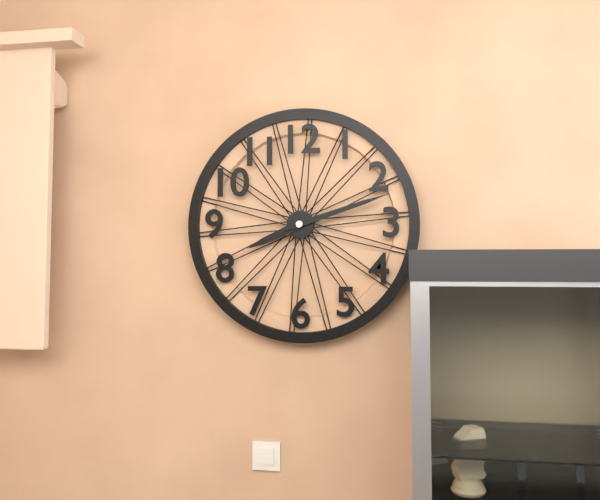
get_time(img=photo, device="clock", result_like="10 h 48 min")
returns 8 h 12 min
